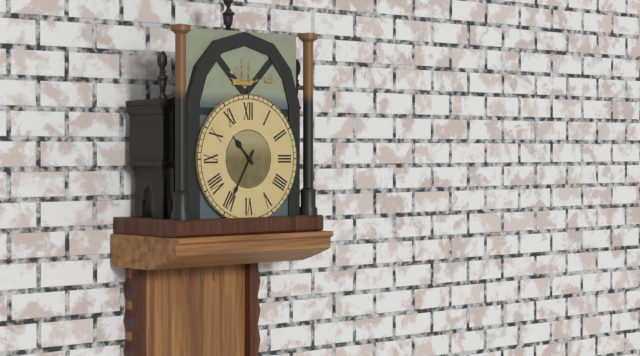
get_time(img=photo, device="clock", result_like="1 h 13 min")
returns 10 h 35 min
